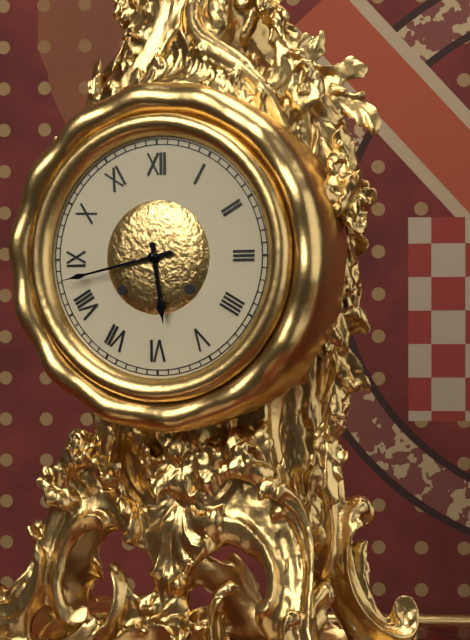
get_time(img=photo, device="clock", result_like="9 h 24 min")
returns 5 h 43 min
